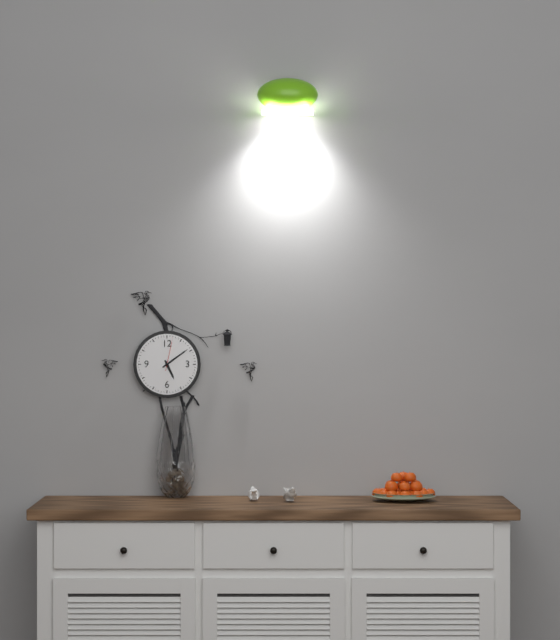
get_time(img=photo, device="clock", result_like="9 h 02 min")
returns 5 h 09 min
